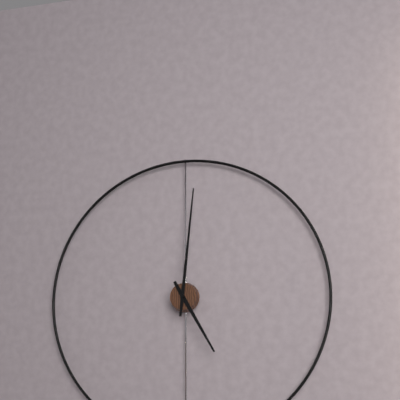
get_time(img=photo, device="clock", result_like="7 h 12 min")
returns 5 h 01 min
